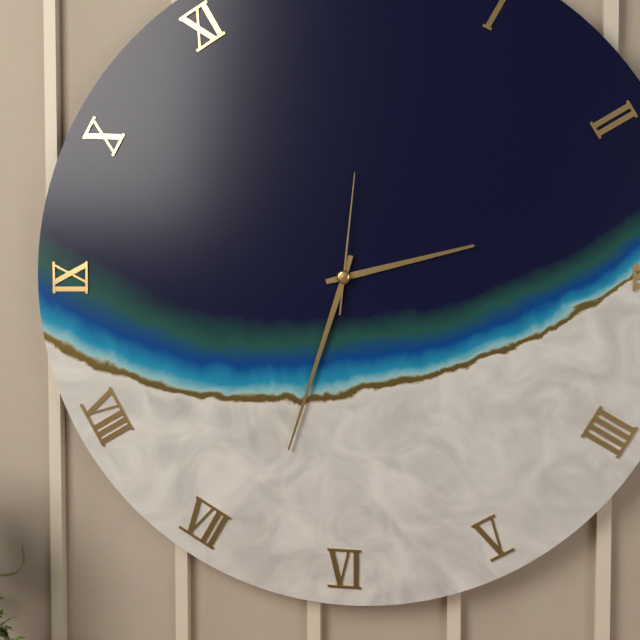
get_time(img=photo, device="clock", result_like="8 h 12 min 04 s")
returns 2 h 33 min 01 s
